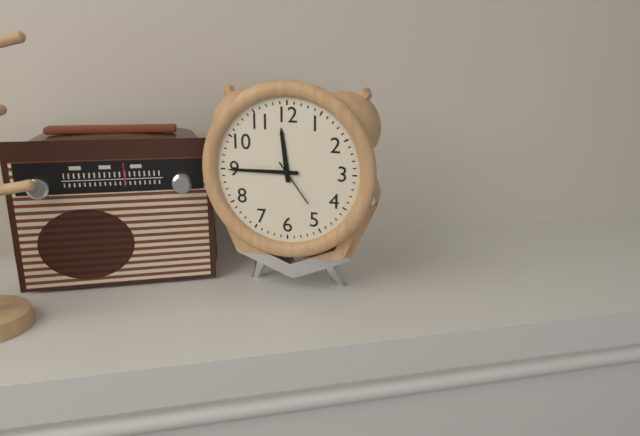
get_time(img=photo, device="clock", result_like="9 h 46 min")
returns 11 h 45 min
